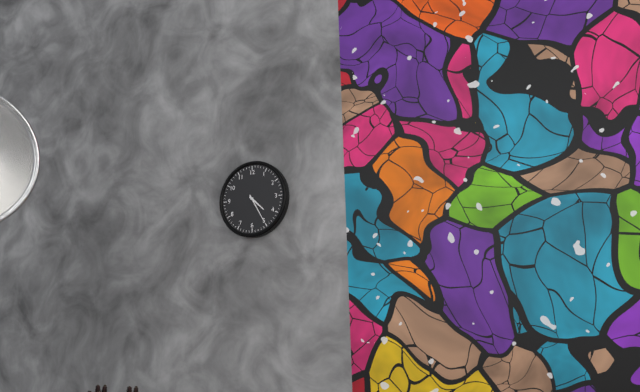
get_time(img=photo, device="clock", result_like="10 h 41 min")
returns 4 h 25 min
